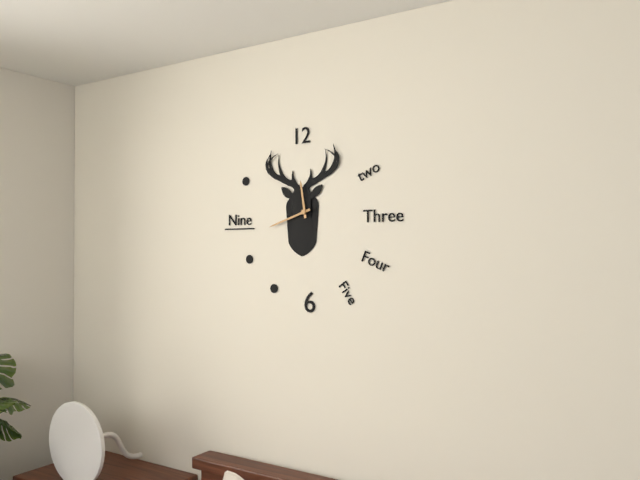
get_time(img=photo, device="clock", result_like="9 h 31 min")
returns 11 h 42 min
